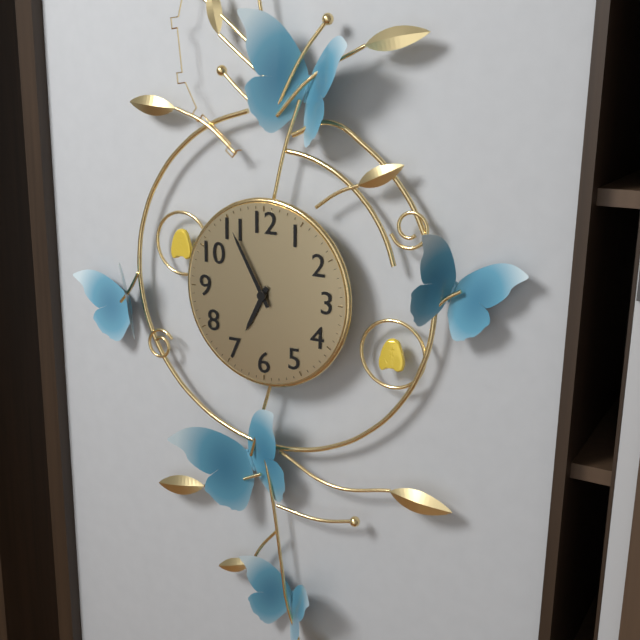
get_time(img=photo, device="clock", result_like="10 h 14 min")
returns 6 h 55 min
